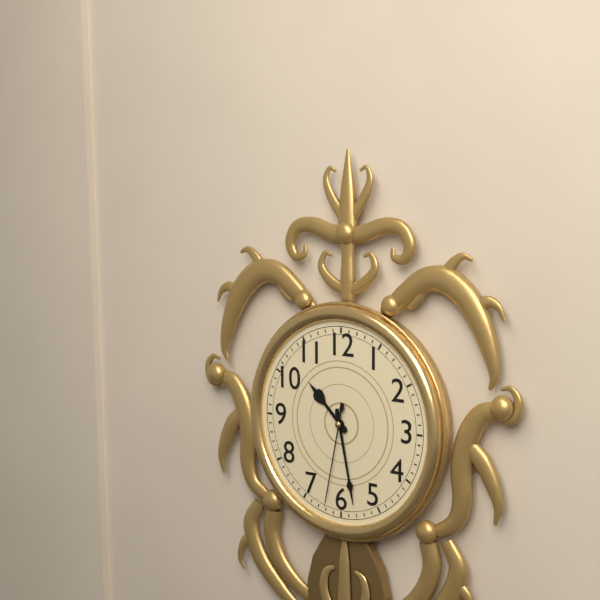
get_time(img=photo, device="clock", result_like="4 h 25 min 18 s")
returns 10 h 28 min 32 s
